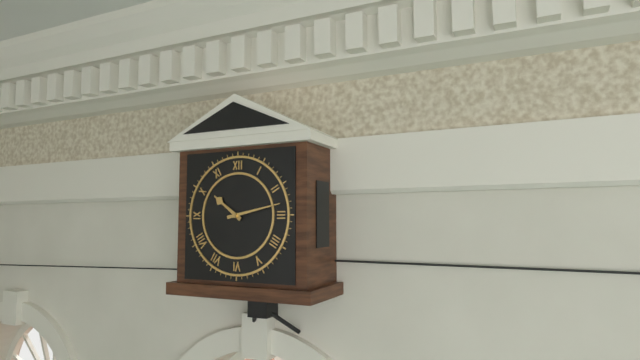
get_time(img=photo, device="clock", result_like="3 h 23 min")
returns 10 h 13 min
